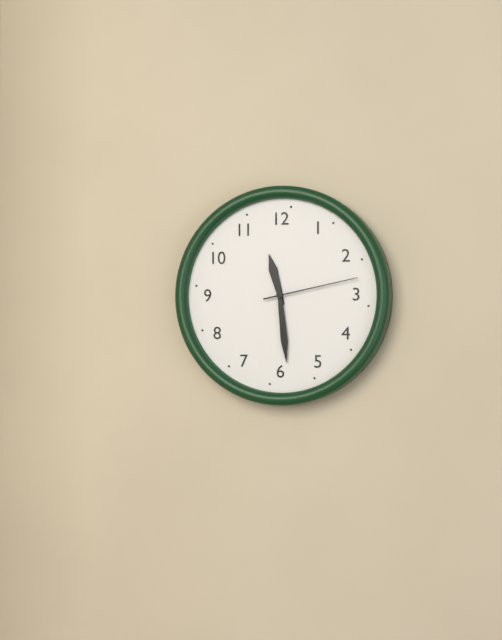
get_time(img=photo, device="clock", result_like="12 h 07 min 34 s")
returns 11 h 29 min 13 s
